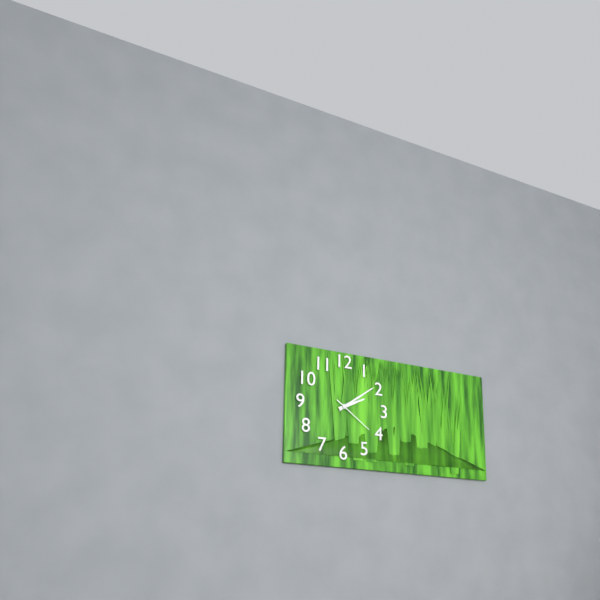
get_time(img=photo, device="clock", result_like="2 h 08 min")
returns 2 h 09 min
